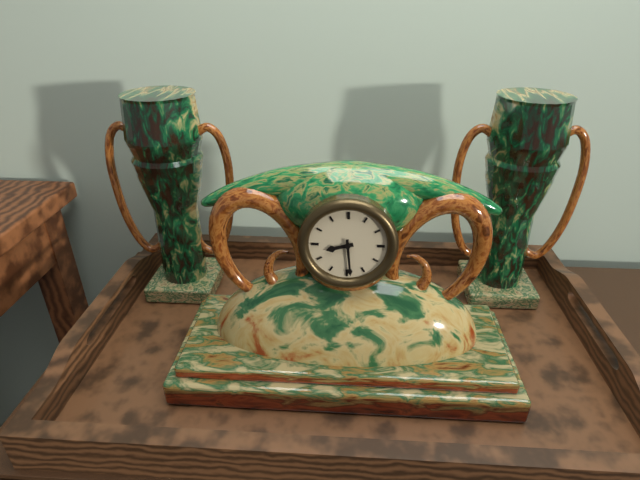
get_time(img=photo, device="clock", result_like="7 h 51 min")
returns 8 h 29 min
